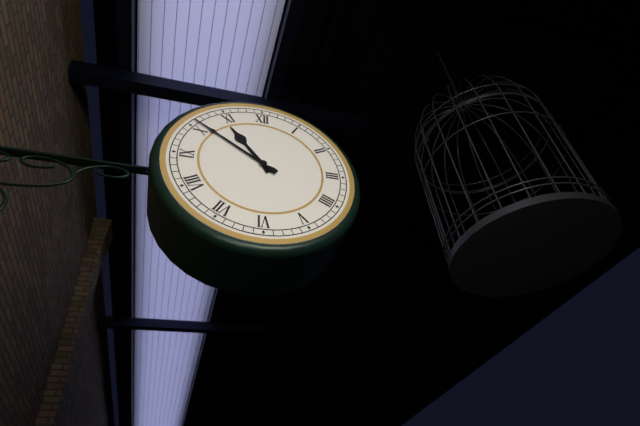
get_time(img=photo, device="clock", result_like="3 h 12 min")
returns 10 h 51 min
